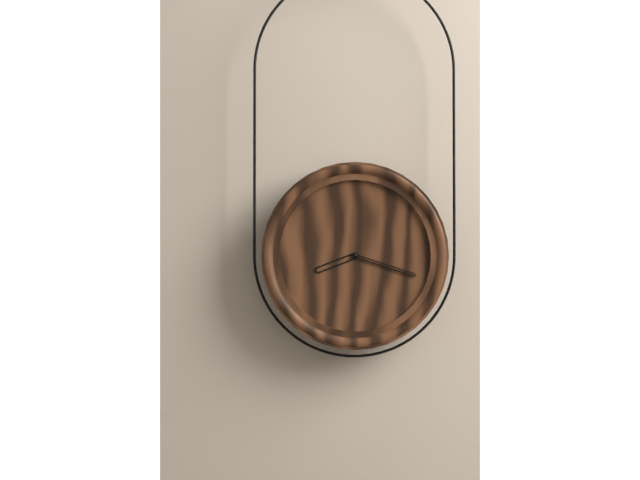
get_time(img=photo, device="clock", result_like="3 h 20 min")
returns 8 h 18 min
